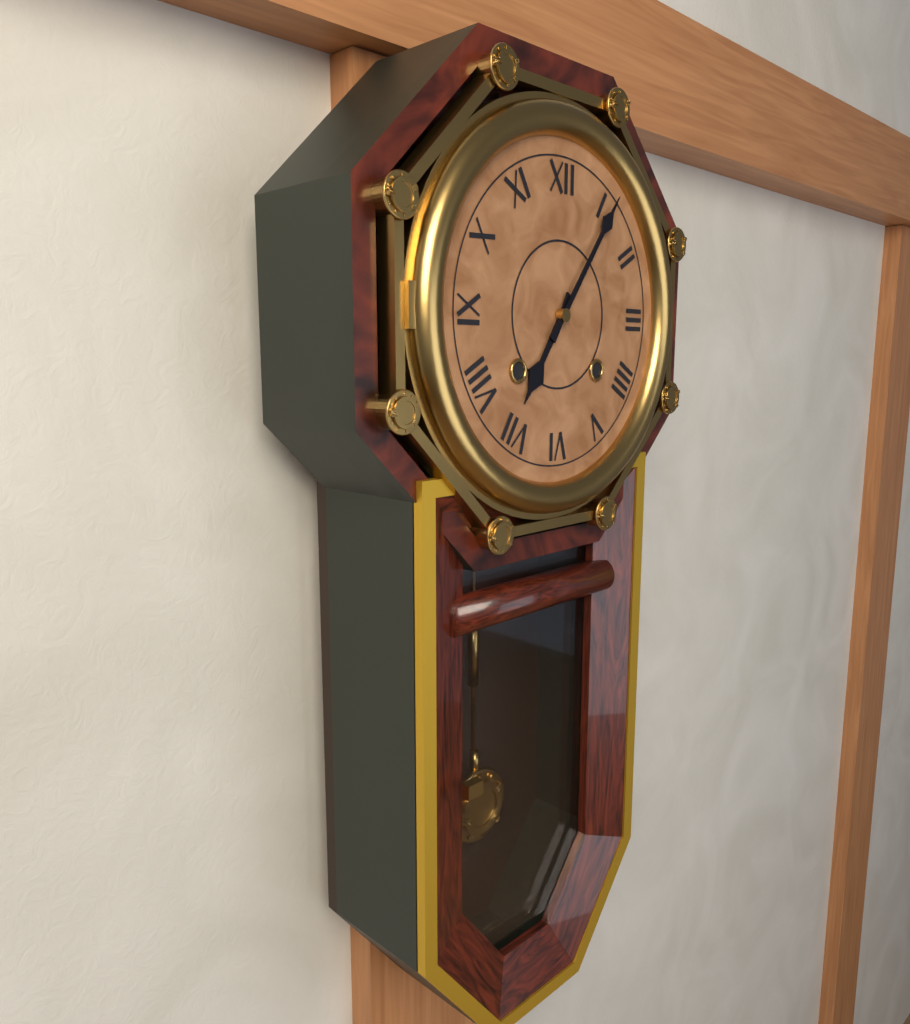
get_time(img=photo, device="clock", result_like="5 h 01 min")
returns 7 h 06 min
